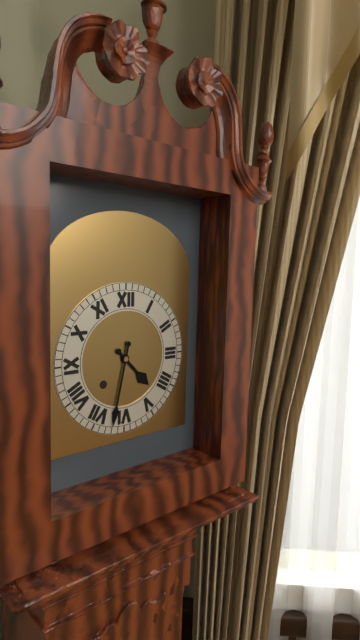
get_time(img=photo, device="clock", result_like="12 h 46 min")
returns 4 h 32 min
